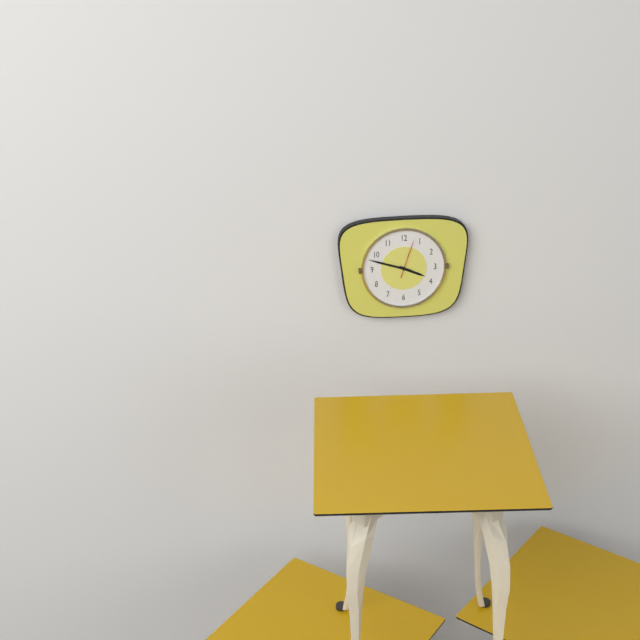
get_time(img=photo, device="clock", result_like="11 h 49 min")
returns 3 h 48 min
